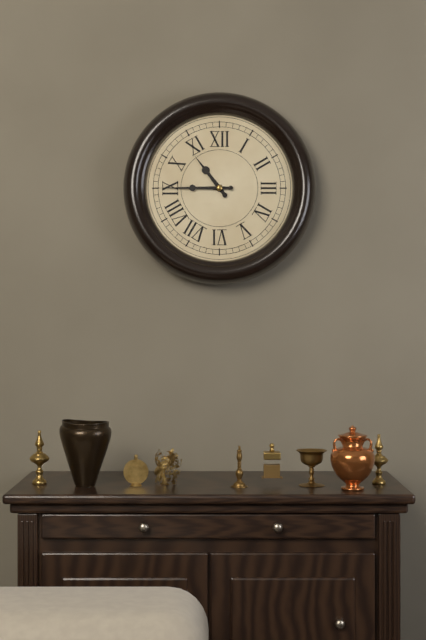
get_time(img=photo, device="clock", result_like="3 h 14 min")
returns 10 h 45 min
